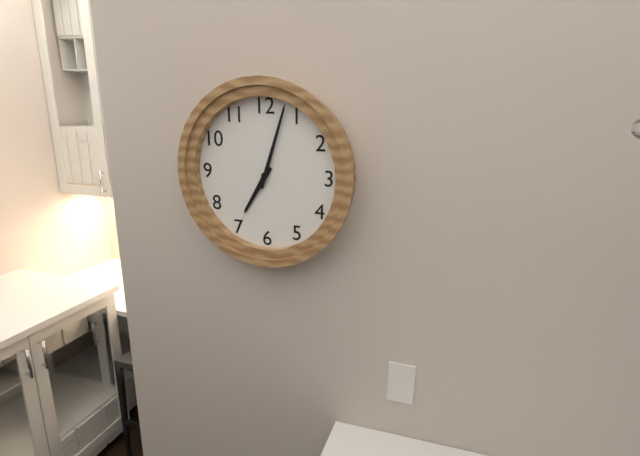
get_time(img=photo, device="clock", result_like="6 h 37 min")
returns 7 h 03 min
